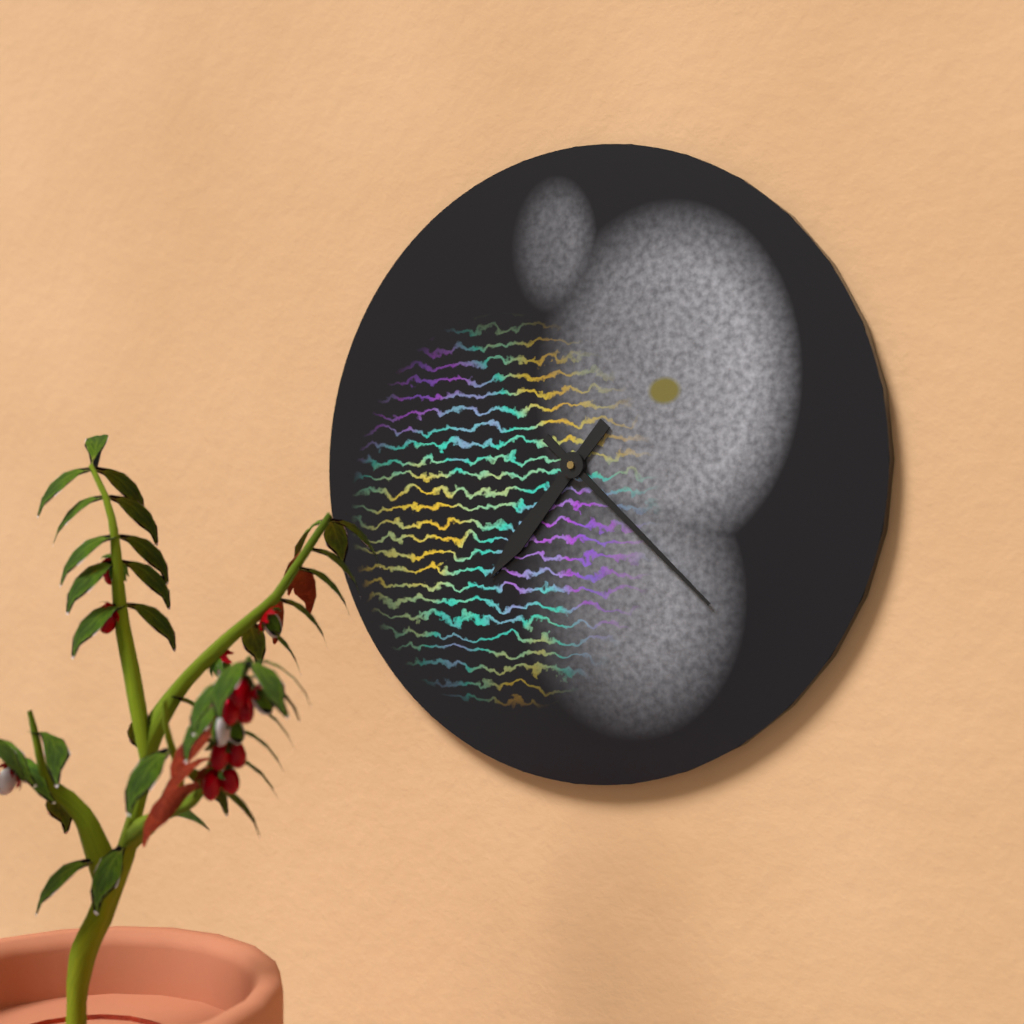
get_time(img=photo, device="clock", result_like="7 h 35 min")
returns 7 h 22 min
